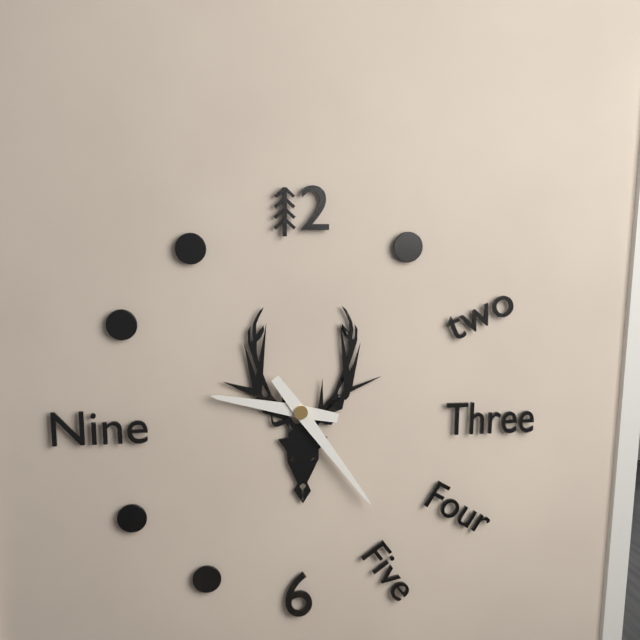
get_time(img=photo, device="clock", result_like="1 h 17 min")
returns 9 h 24 min
